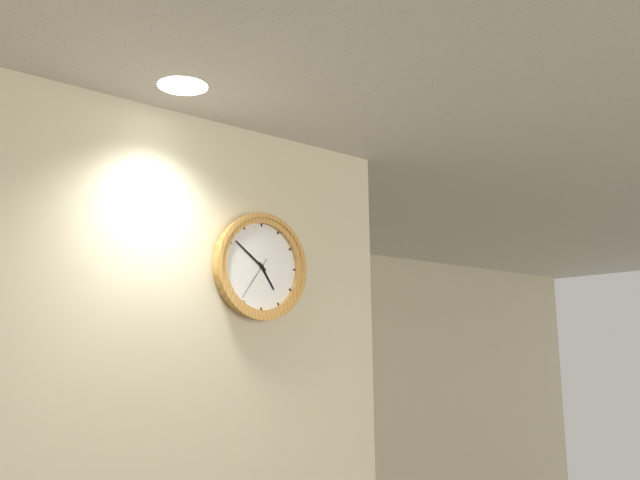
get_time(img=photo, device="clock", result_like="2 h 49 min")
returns 4 h 51 min
